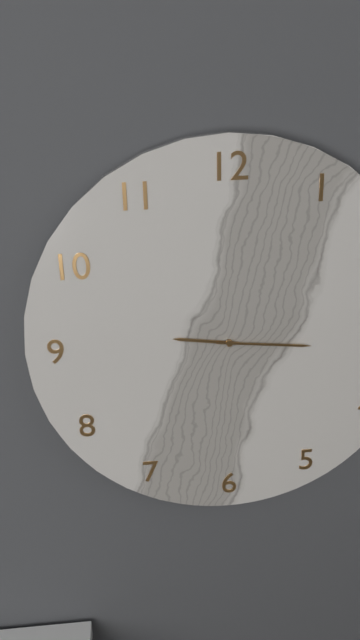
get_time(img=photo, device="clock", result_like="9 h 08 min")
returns 9 h 16 min
